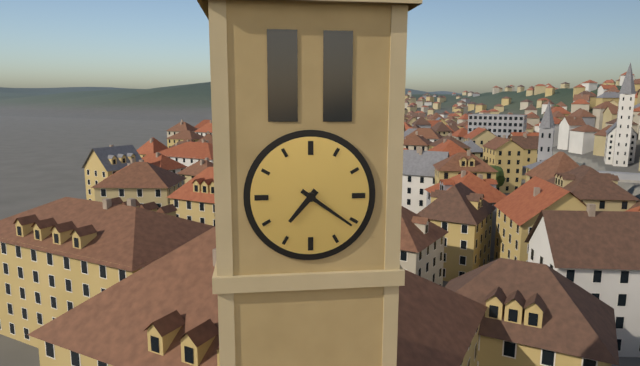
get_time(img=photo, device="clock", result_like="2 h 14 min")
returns 7 h 21 min
